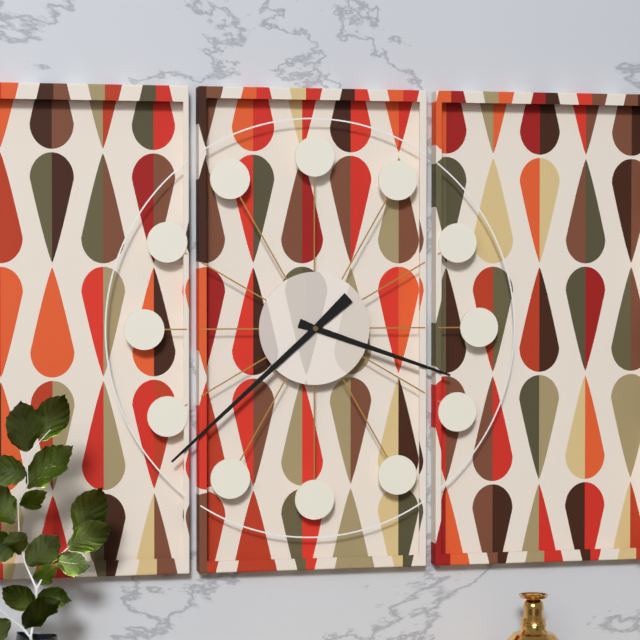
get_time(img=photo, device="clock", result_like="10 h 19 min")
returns 3 h 38 min
